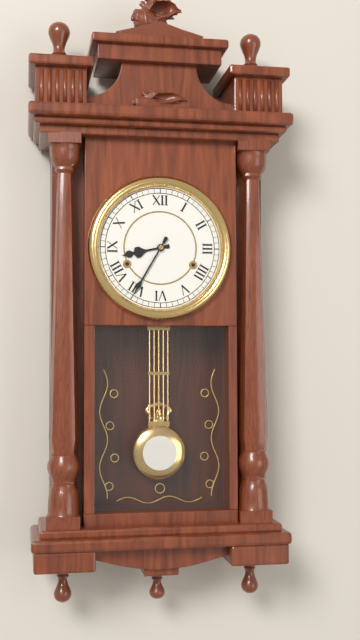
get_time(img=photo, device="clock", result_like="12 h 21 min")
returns 8 h 35 min
